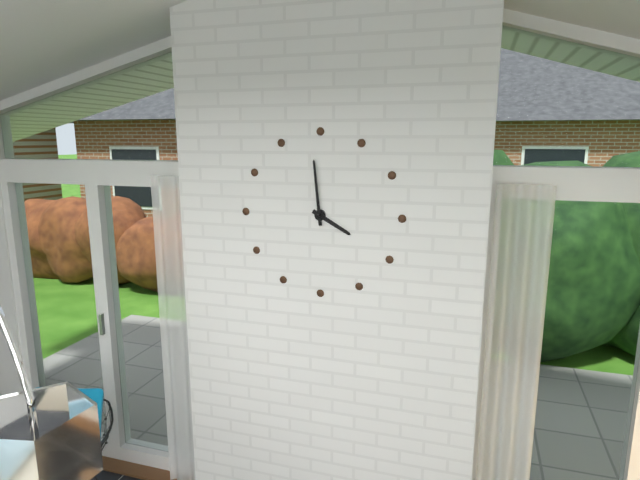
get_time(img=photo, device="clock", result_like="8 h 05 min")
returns 3 h 59 min
